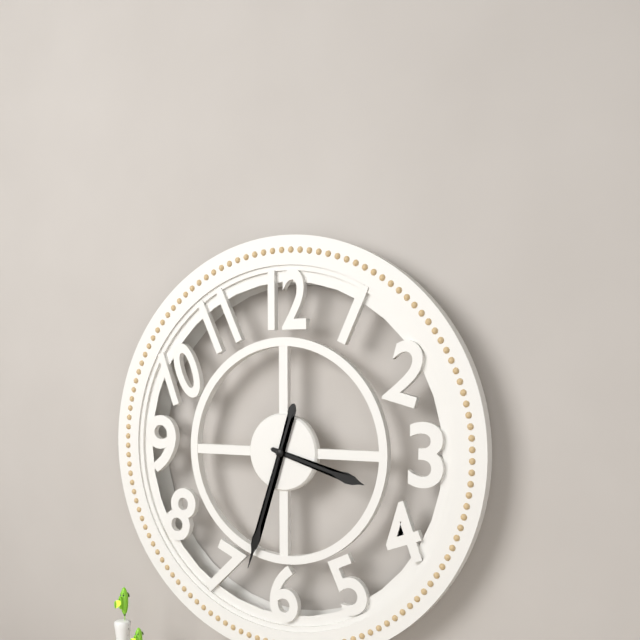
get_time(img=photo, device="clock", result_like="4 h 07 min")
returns 3 h 33 min
